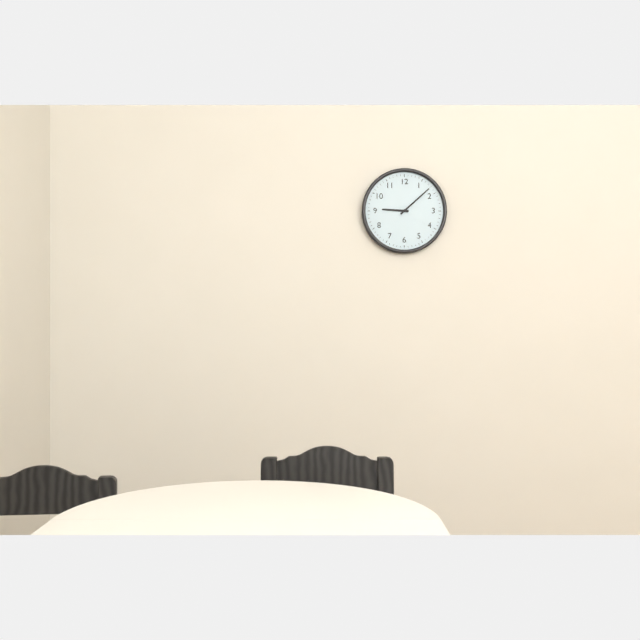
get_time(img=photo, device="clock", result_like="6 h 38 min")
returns 9 h 08 min
